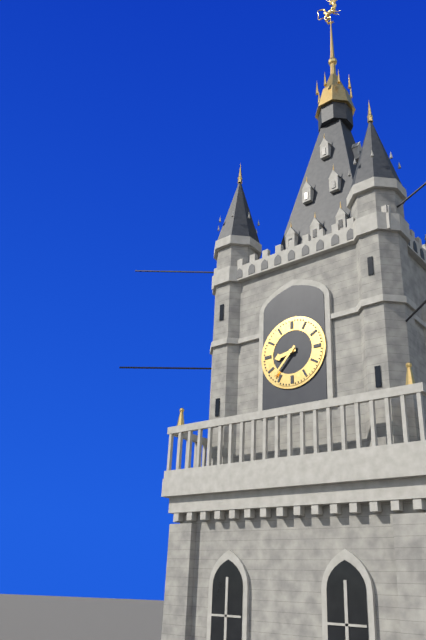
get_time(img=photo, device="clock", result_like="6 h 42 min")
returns 8 h 37 min
